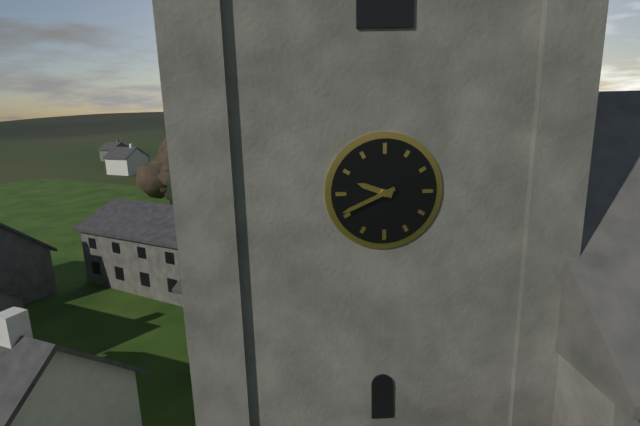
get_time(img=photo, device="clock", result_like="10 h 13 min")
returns 9 h 41 min
